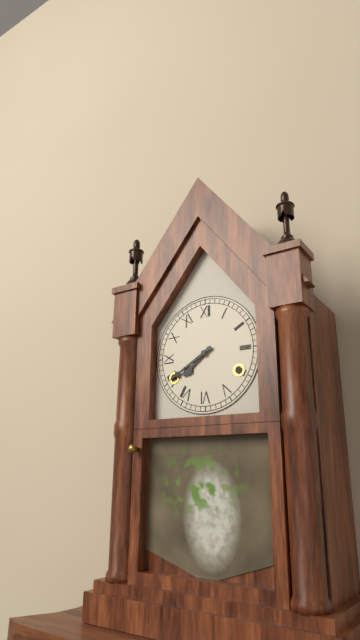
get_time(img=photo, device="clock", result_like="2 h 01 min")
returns 7 h 40 min
